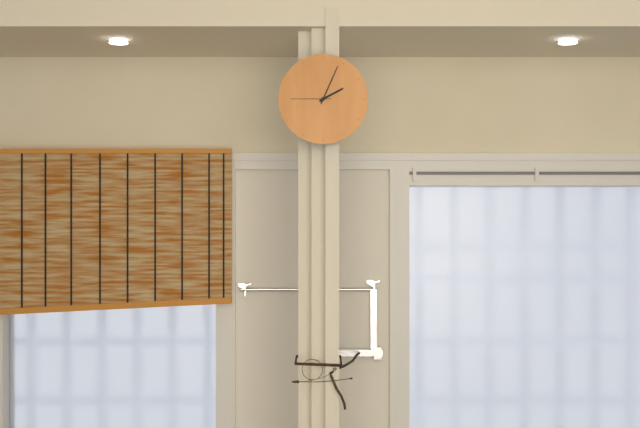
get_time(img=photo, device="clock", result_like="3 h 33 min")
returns 2 h 04 min
